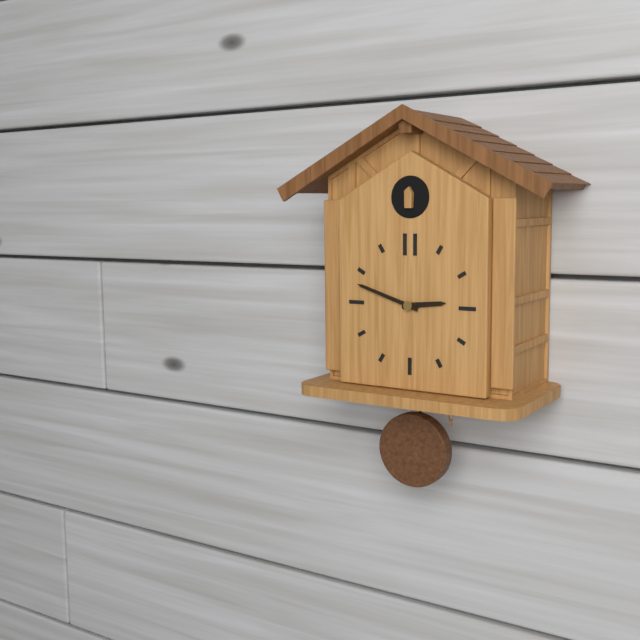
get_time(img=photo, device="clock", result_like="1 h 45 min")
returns 2 h 48 min
